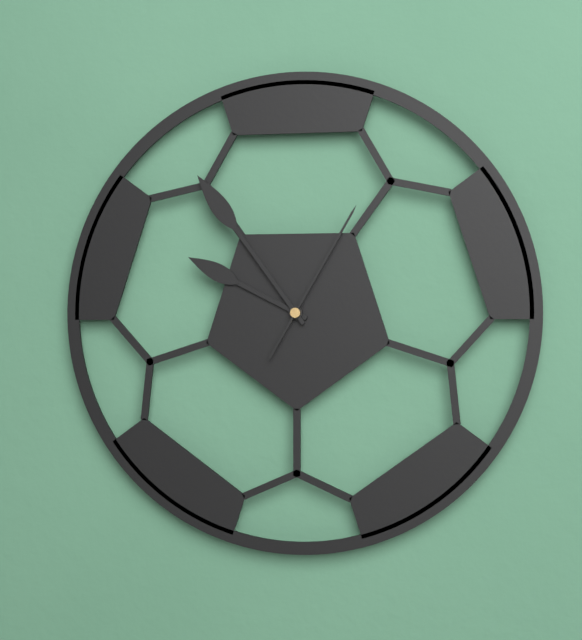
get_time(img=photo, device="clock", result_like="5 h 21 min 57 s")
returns 9 h 54 min 05 s
